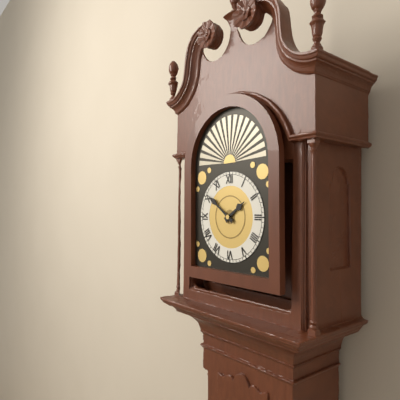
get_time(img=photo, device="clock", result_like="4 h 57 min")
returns 1 h 51 min
